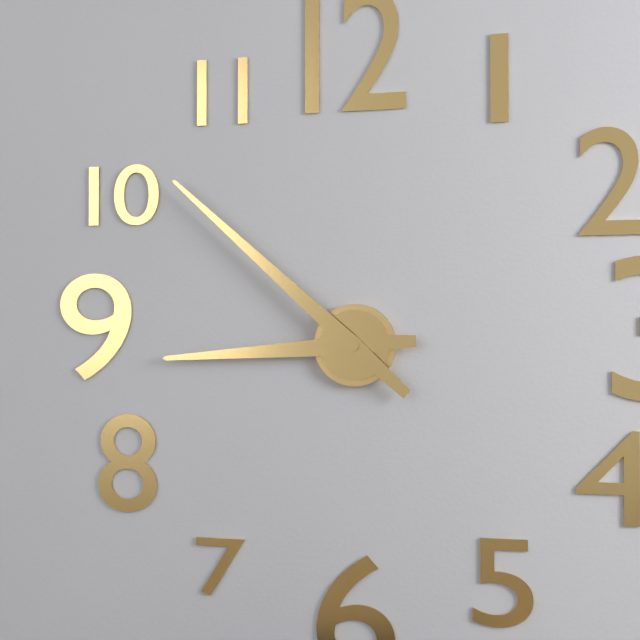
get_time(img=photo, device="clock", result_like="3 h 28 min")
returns 8 h 52 min
